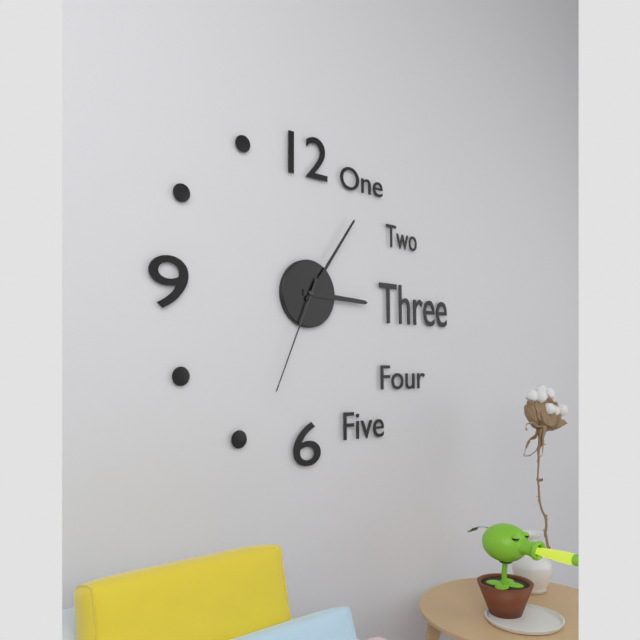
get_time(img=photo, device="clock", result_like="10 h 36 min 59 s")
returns 3 h 06 min 34 s
